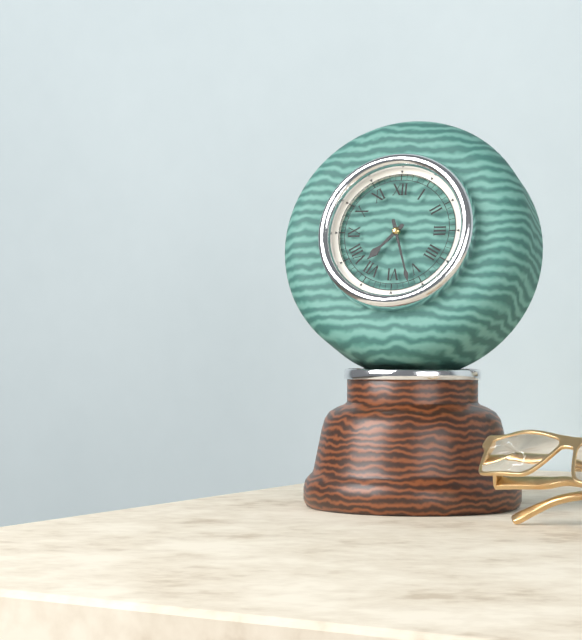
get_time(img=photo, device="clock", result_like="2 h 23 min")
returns 7 h 27 min
